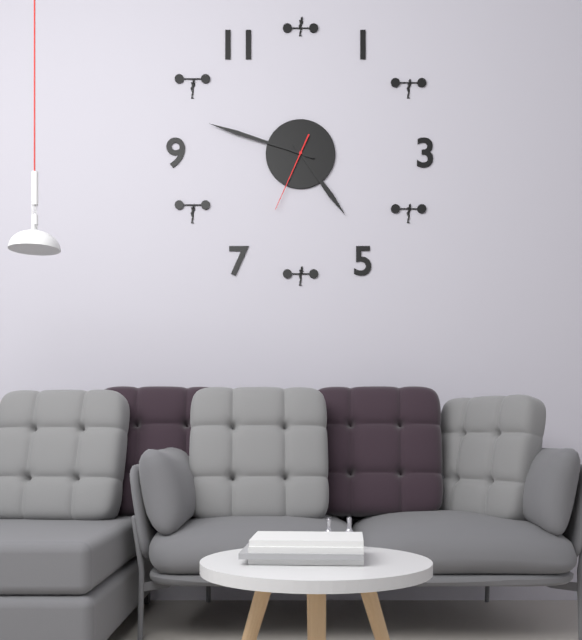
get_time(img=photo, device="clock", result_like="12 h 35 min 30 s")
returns 4 h 48 min 34 s
